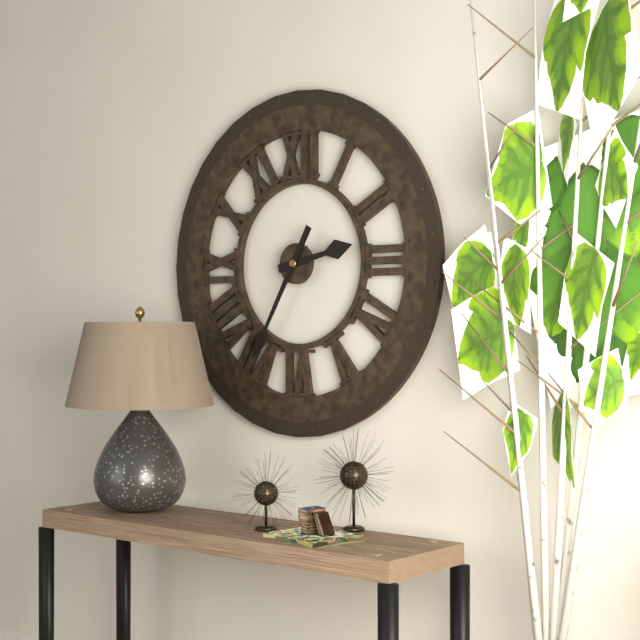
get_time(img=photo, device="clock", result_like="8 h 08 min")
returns 2 h 35 min
